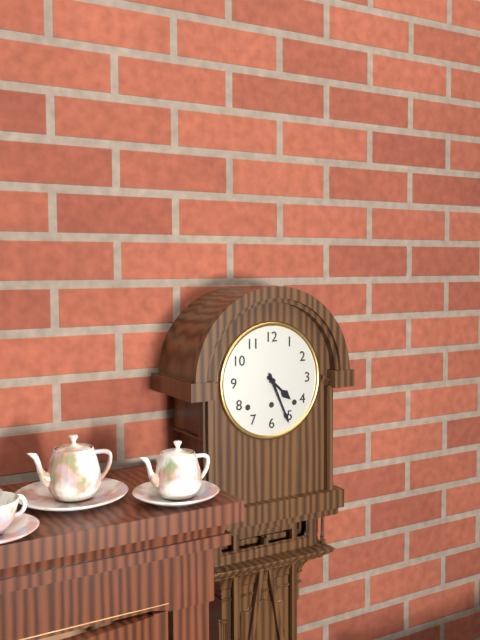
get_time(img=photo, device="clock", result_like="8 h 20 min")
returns 4 h 26 min
